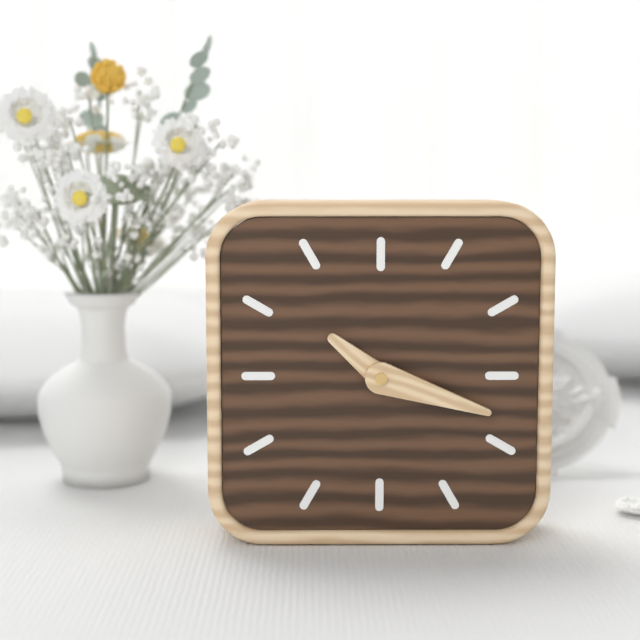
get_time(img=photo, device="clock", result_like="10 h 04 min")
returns 10 h 18 min
